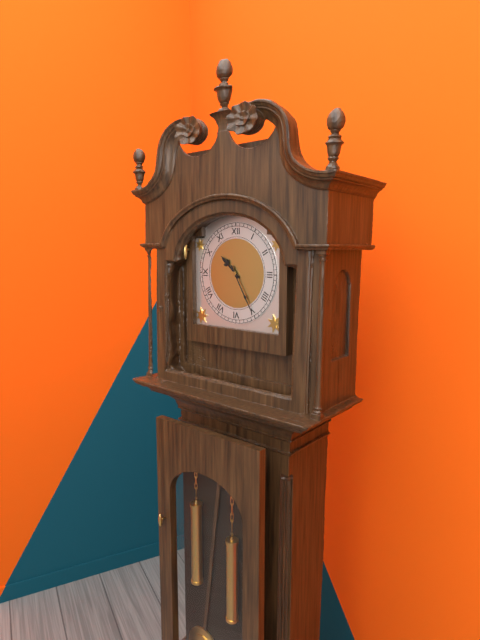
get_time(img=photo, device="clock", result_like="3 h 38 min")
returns 10 h 25 min
